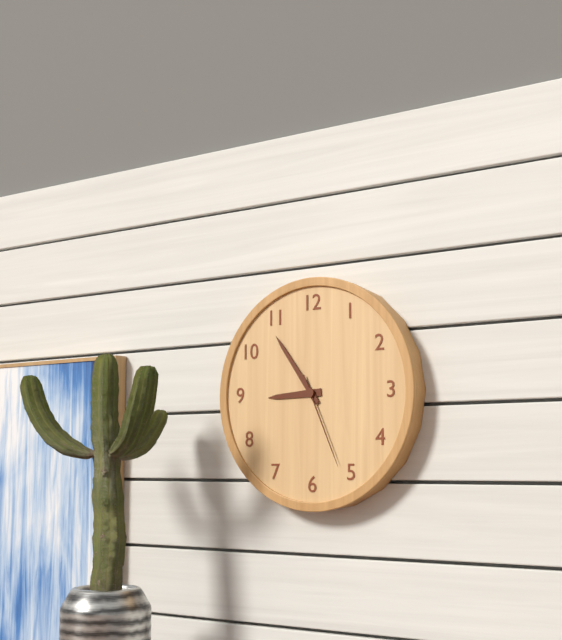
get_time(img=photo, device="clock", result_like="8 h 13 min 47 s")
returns 8 h 54 min 26 s
